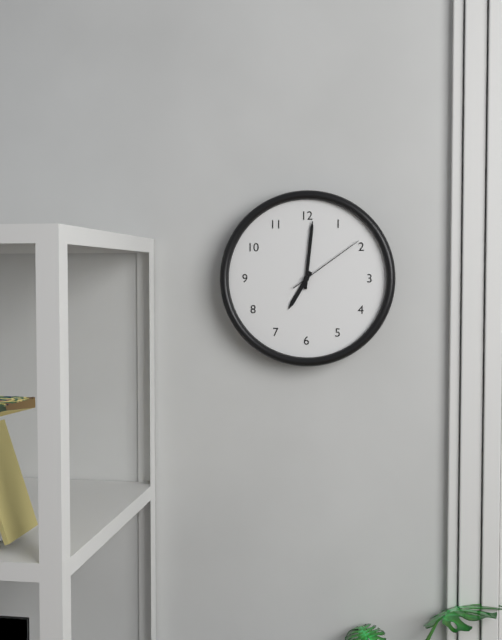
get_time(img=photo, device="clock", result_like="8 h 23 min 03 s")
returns 7 h 01 min 09 s
